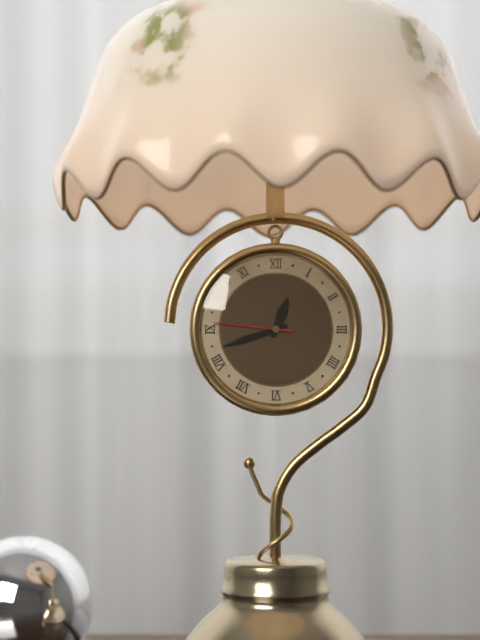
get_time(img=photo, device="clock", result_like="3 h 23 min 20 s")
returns 12 h 42 min 46 s
